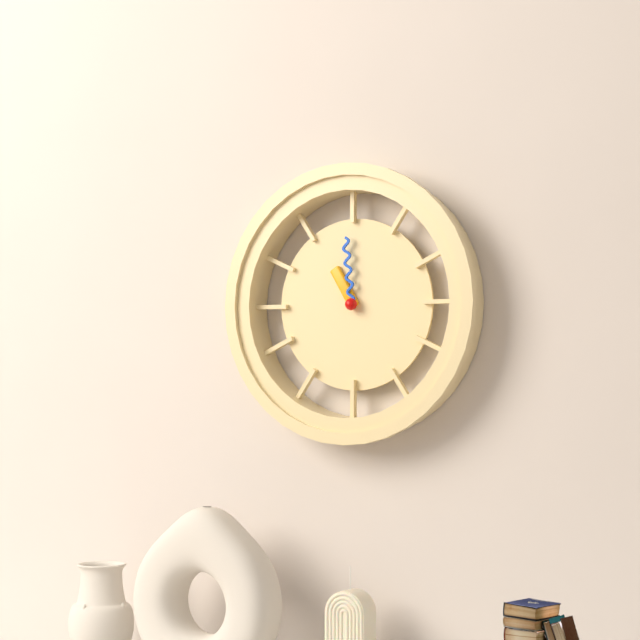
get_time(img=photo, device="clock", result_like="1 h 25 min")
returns 10 h 59 min
